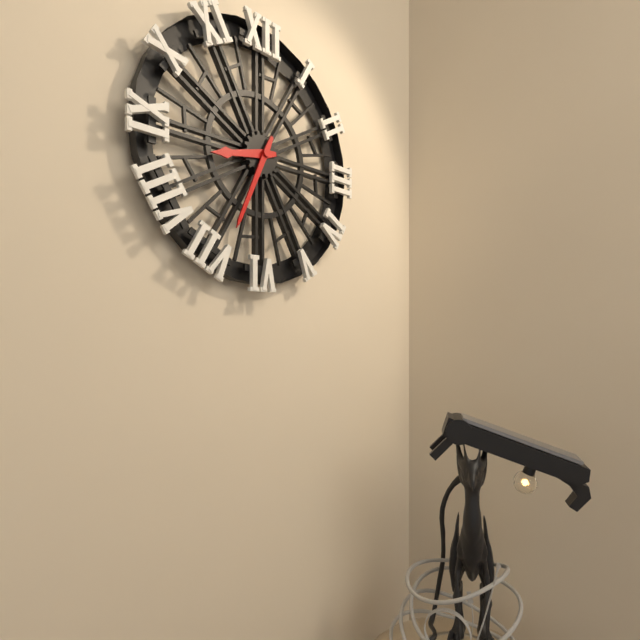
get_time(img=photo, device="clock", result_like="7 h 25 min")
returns 8 h 34 min
